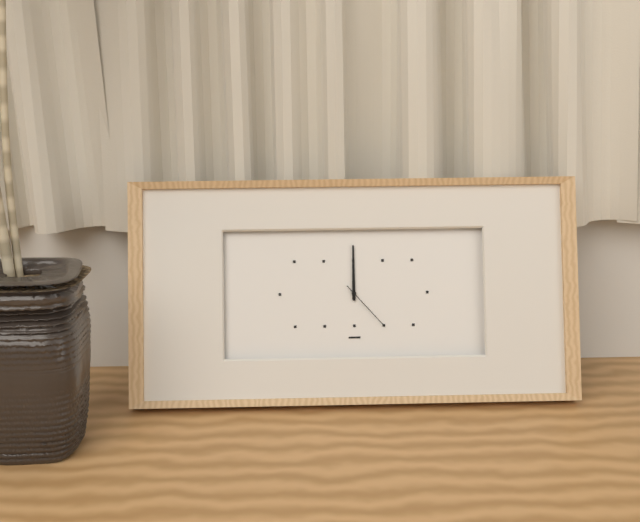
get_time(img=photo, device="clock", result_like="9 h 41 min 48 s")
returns 12 h 00 min 23 s
